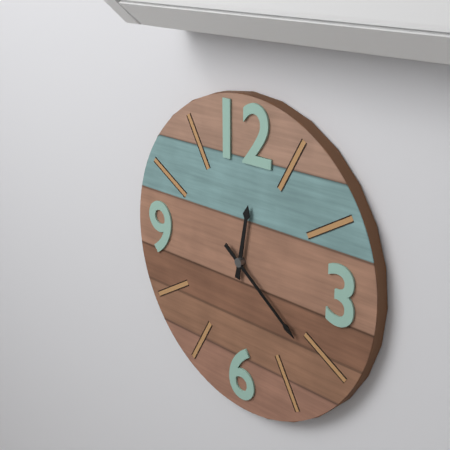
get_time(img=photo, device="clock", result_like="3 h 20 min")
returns 12 h 21 min
